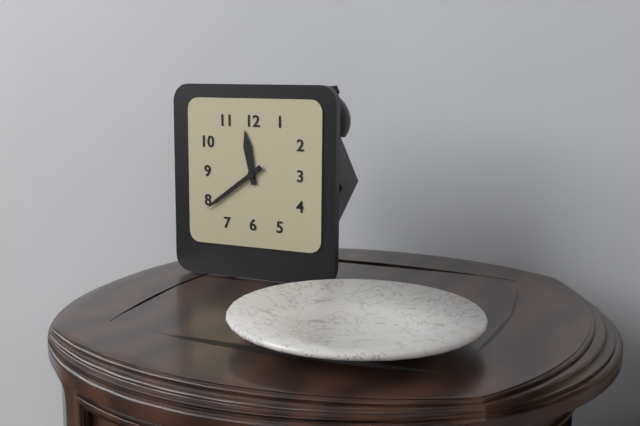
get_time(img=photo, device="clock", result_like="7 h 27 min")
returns 11 h 39 min
